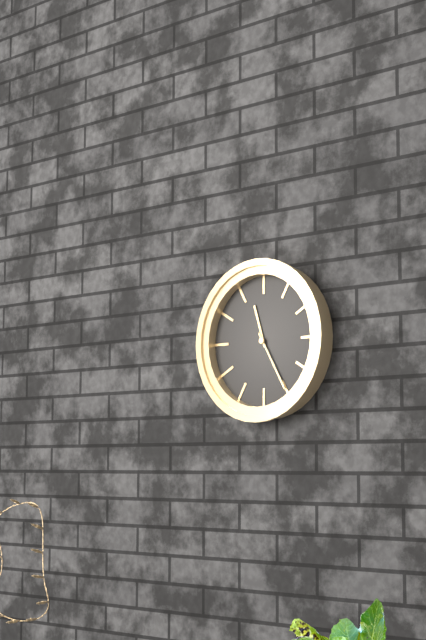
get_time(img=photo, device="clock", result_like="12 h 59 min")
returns 11 h 25 min
